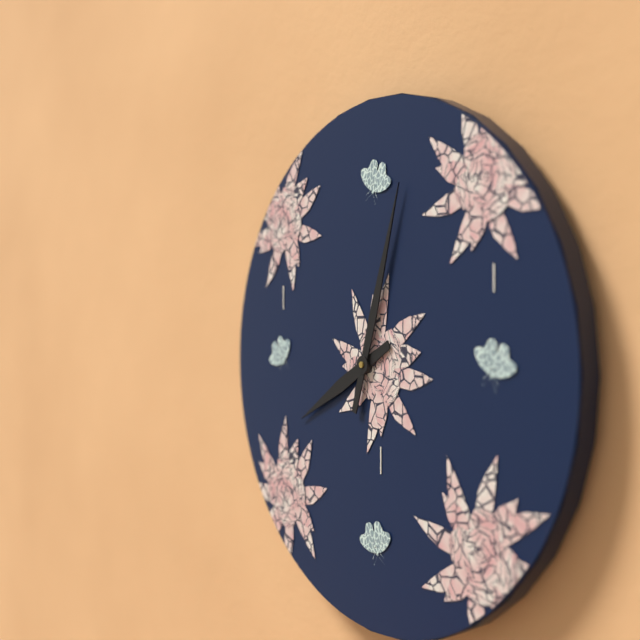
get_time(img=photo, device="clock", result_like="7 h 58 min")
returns 8 h 03 min
